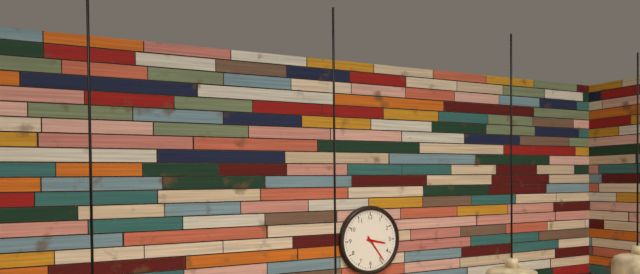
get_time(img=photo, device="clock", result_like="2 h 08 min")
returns 3 h 24 min
